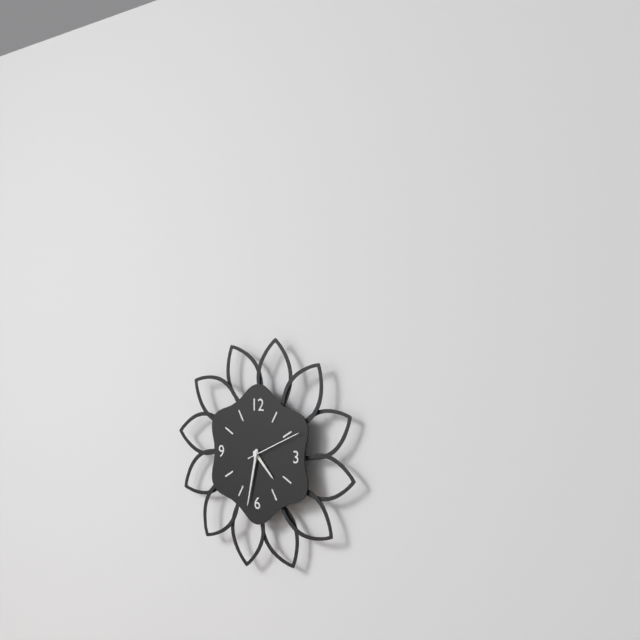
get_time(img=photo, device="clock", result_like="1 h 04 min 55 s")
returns 4 h 32 min 11 s
